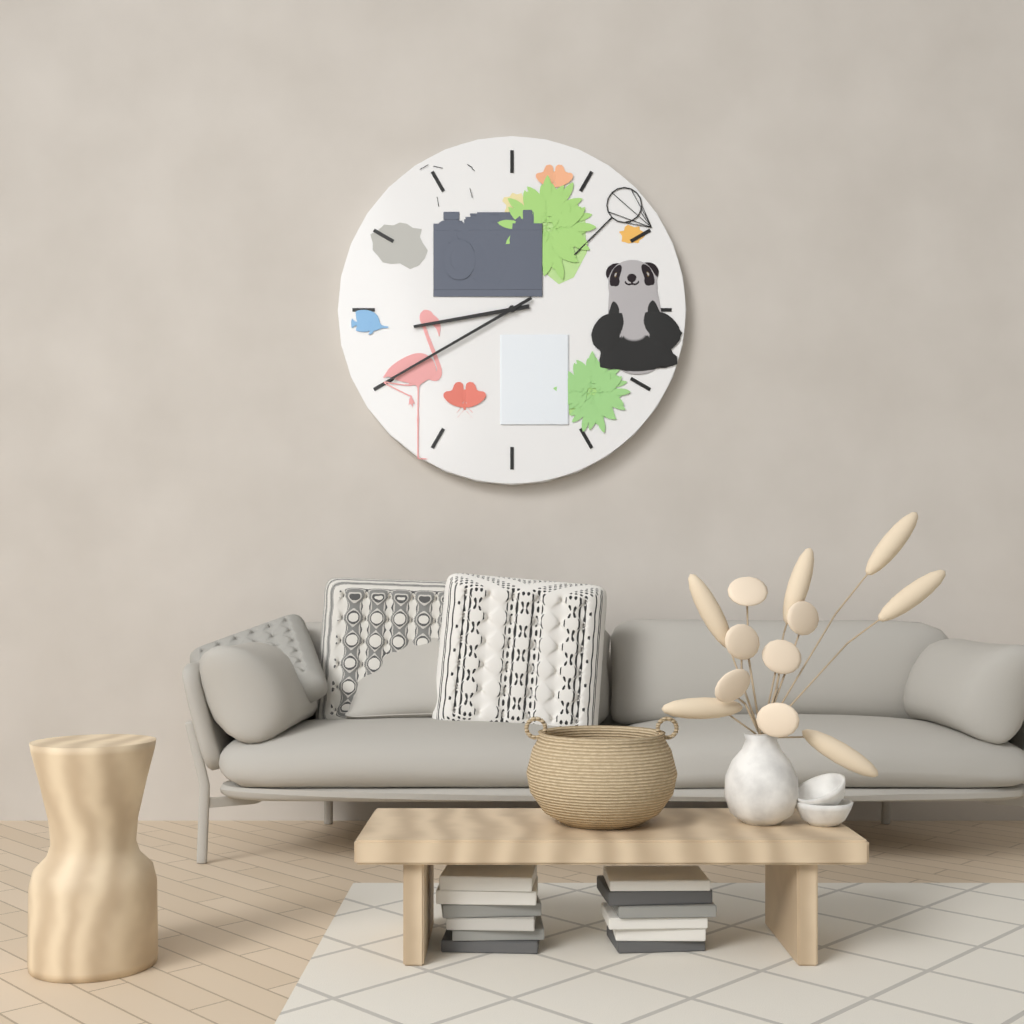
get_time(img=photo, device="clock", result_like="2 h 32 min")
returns 8 h 40 min
